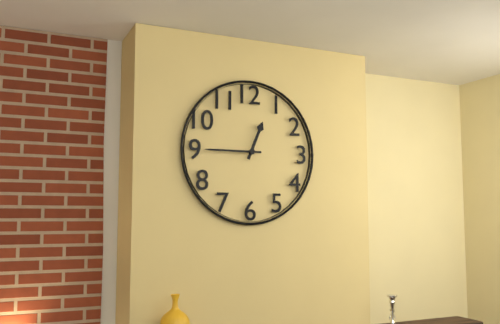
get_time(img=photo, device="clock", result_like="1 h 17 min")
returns 12 h 45 min
